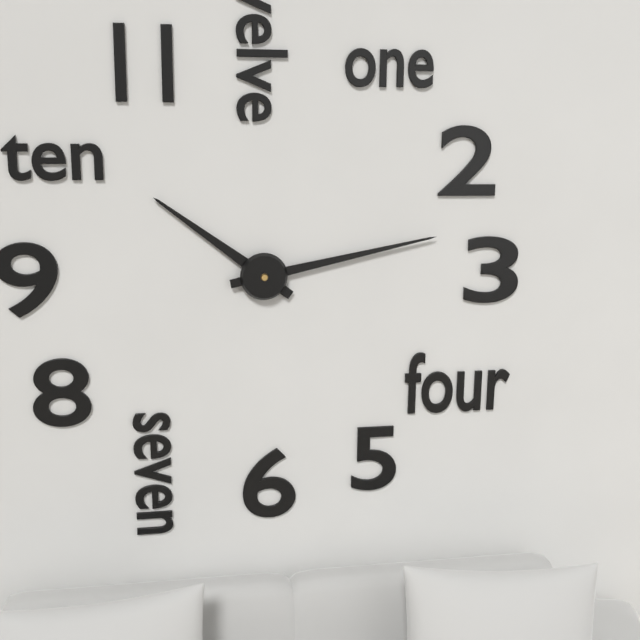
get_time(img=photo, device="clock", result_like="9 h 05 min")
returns 10 h 13 min
